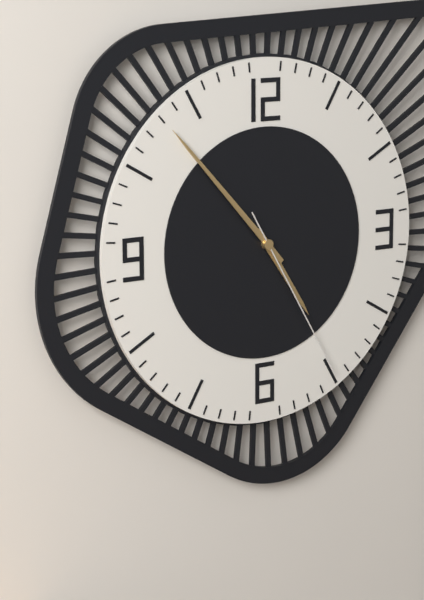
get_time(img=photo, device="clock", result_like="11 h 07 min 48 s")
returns 4 h 53 min 25 s
